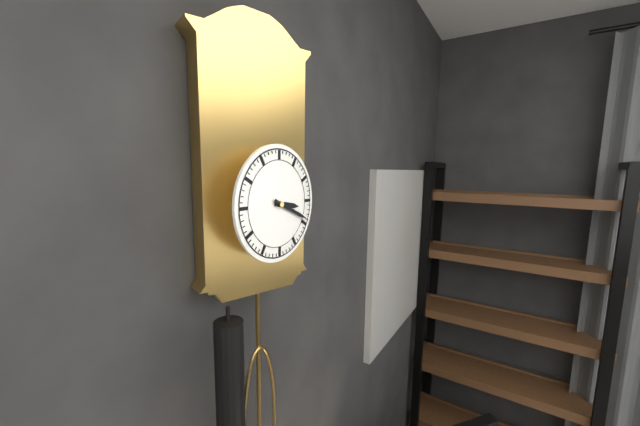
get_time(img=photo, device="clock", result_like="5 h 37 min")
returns 3 h 19 min
